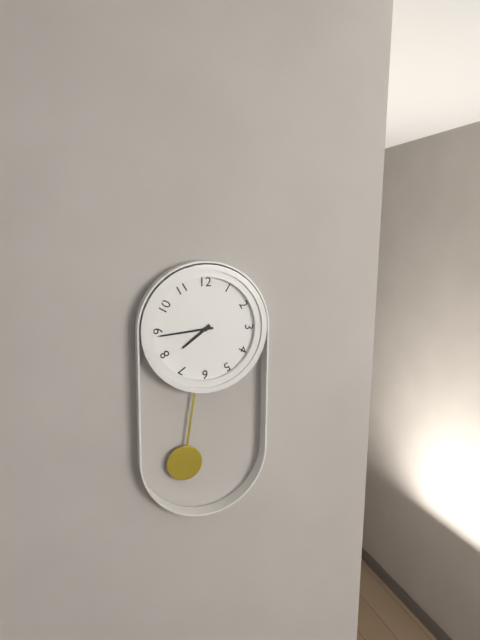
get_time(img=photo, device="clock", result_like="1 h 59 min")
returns 7 h 44 min
